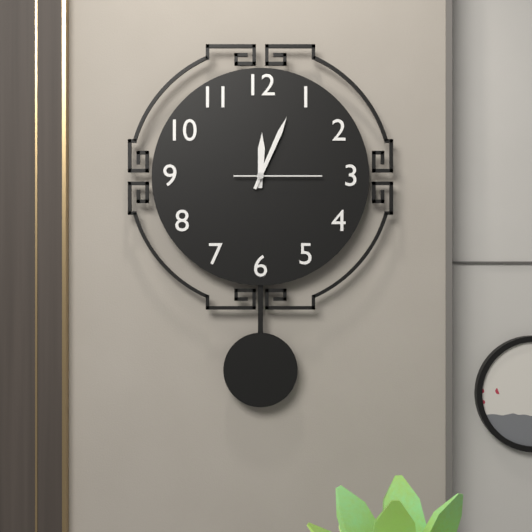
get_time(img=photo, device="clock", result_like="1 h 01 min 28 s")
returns 12 h 04 min 15 s
